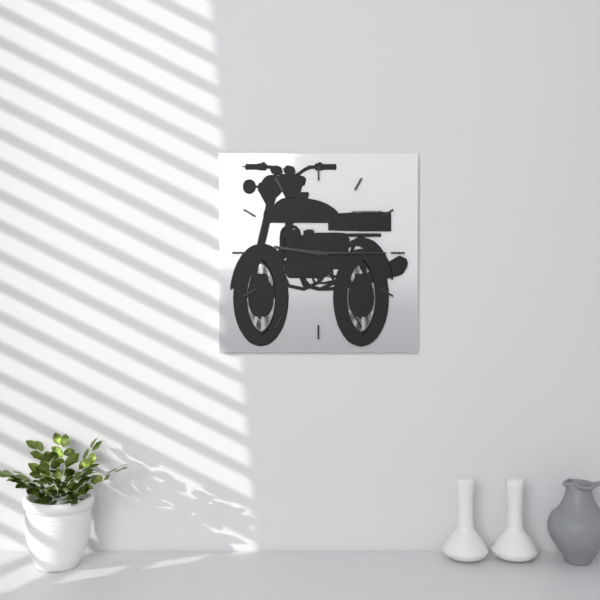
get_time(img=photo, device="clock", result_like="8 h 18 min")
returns 9 h 15 min
